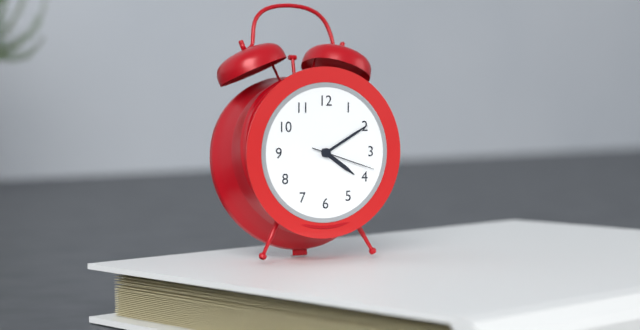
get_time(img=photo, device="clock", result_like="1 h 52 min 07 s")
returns 4 h 10 min 18 s
